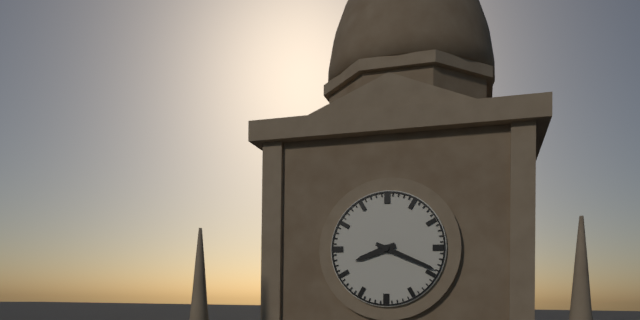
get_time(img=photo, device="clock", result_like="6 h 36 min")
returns 8 h 19 min
